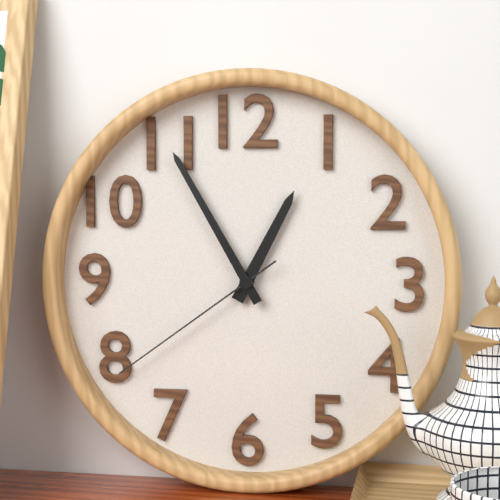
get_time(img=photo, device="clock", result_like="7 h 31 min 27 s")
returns 12 h 55 min 39 s
